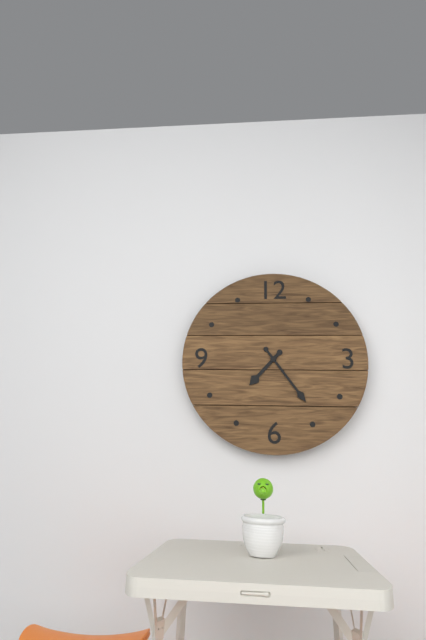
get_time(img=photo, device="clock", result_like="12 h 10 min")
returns 7 h 24 min
